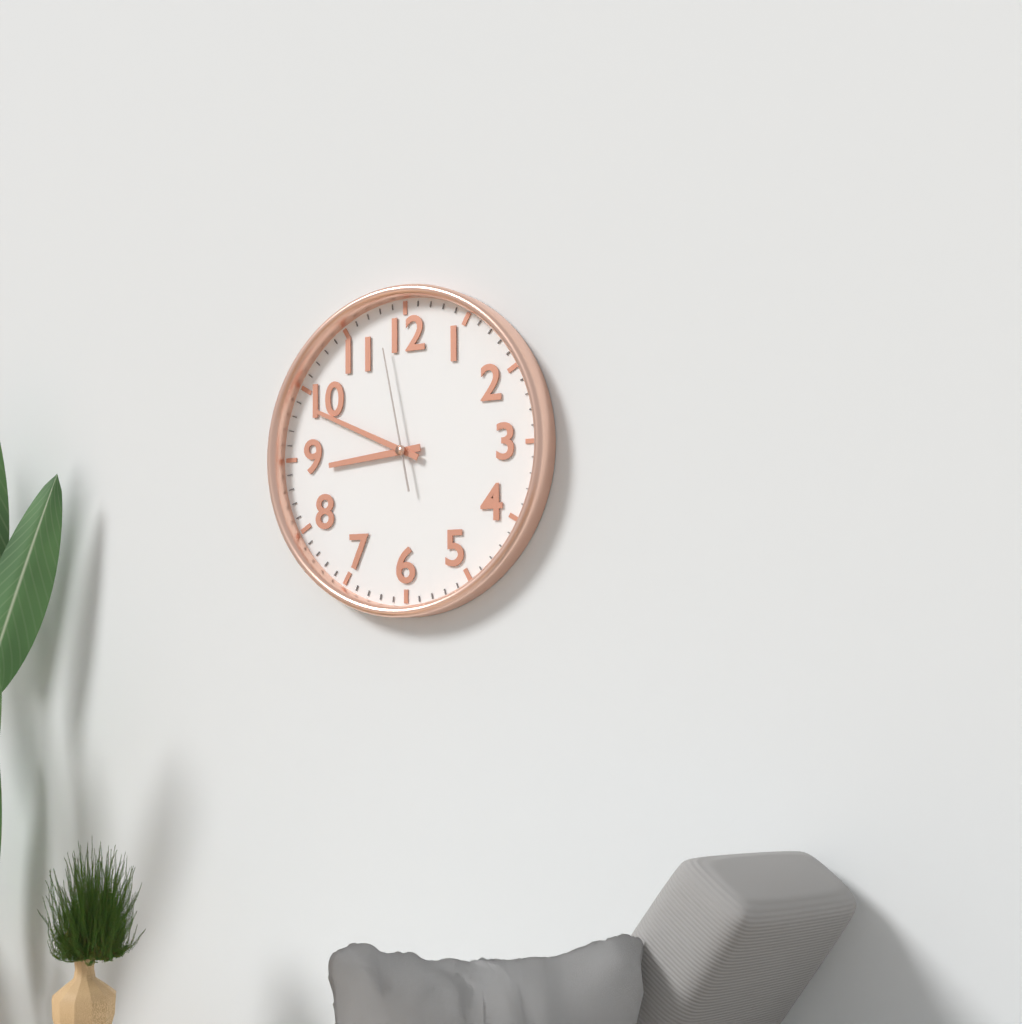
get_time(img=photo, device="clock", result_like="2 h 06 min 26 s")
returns 8 h 49 min 58 s
